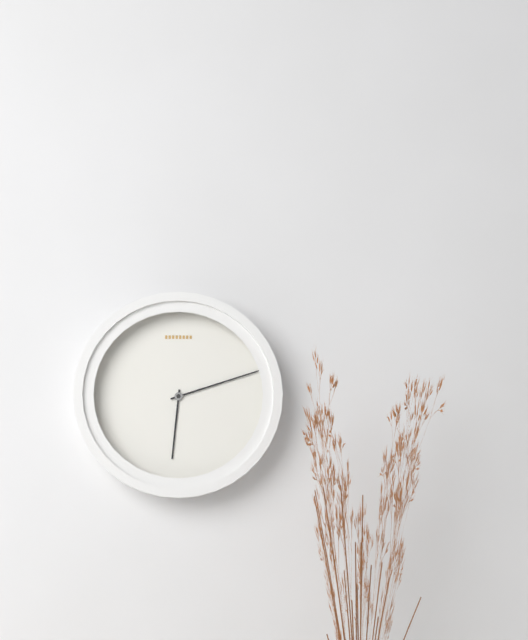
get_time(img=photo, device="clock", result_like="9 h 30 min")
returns 6 h 12 min
